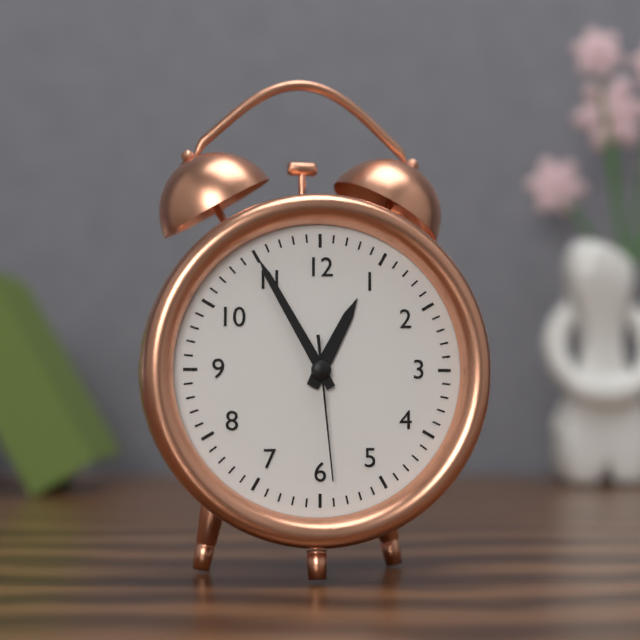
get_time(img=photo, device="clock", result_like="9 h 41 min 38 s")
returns 12 h 55 min 29 s
